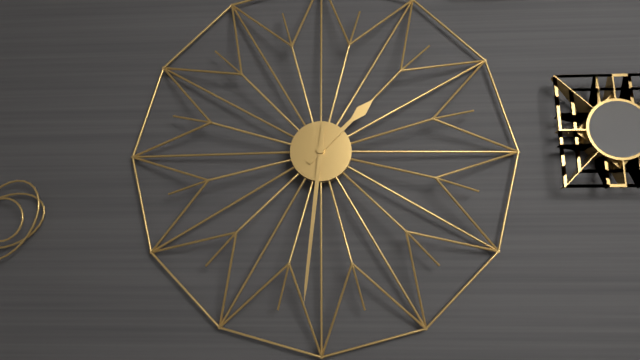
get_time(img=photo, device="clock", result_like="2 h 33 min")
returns 1 h 31 min
